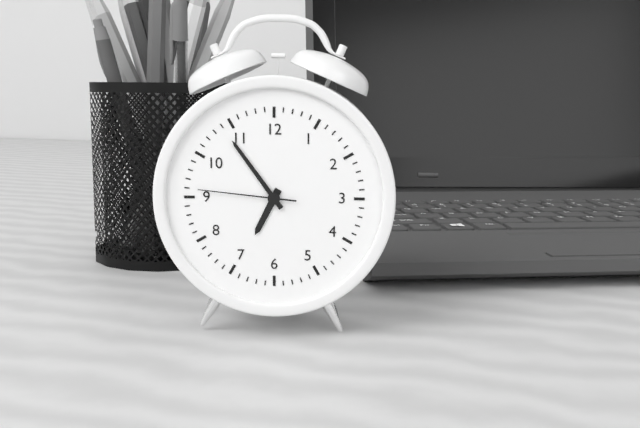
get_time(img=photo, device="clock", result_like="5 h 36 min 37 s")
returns 6 h 54 min 46 s
